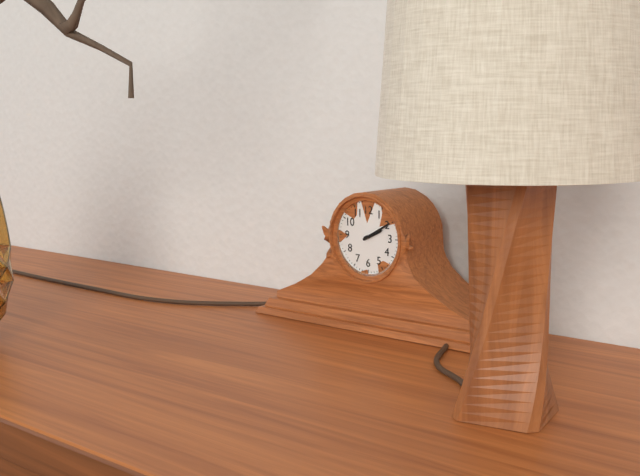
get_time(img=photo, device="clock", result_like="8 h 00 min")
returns 2 h 10 min
